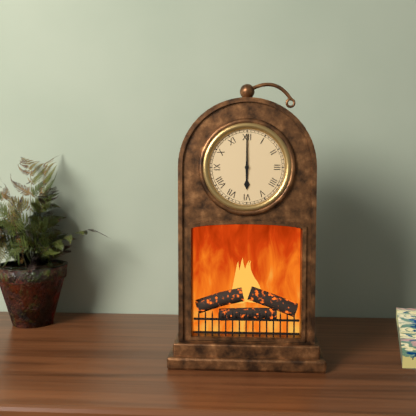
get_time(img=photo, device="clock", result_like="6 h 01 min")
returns 6 h 00 min
